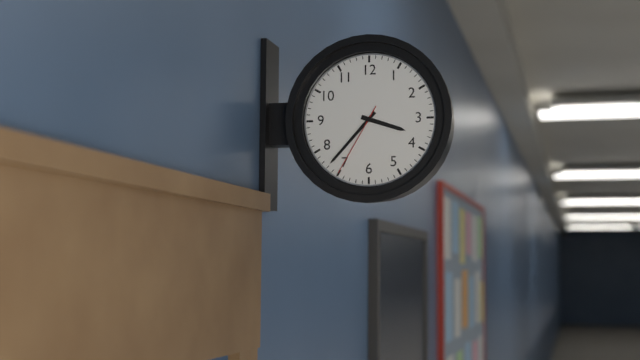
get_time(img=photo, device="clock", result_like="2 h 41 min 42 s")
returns 3 h 37 min 35 s
